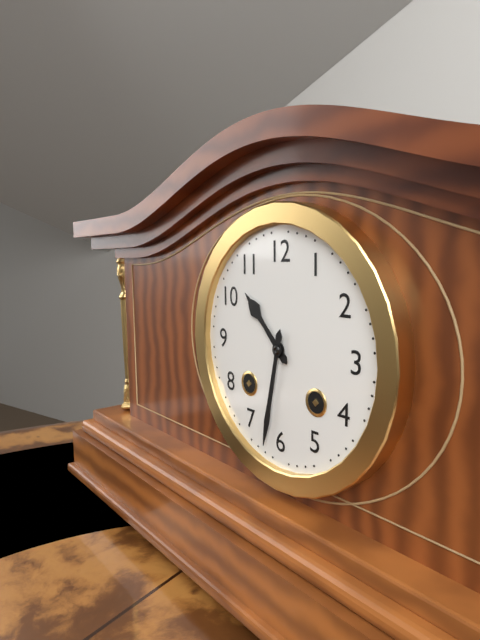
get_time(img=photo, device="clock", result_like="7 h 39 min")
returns 10 h 32 min
